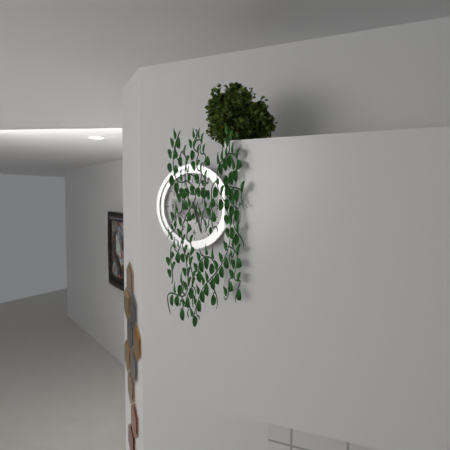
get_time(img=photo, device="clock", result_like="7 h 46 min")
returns 5 h 27 min
